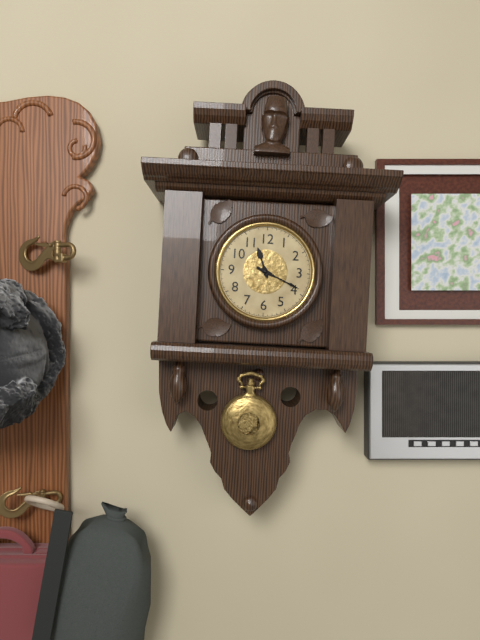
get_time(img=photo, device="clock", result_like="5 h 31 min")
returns 11 h 19 min
